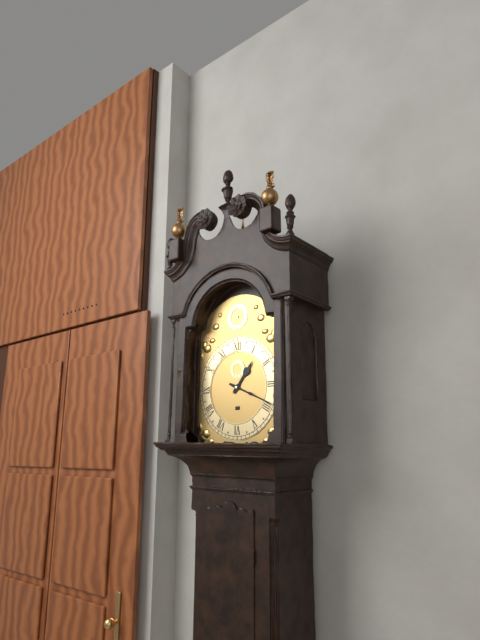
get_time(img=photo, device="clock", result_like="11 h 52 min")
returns 1 h 19 min
